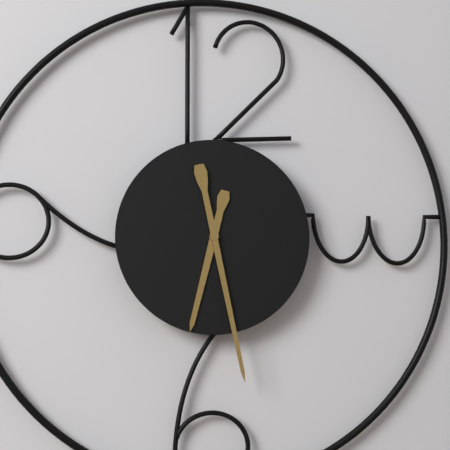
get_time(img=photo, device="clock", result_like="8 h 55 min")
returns 6 h 28 min
